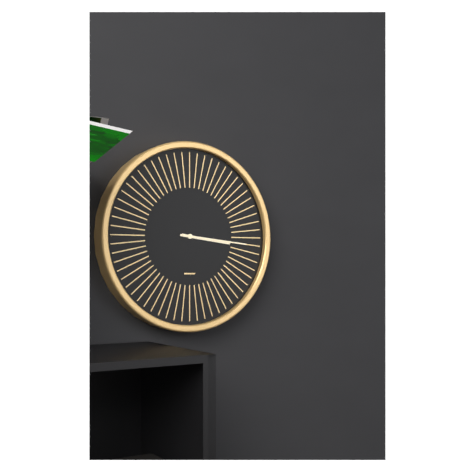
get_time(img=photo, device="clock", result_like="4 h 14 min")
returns 3 h 16 min
